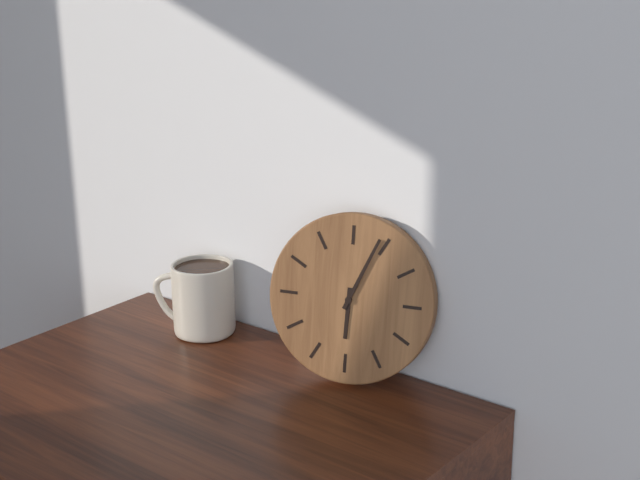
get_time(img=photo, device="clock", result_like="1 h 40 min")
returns 6 h 04 min
